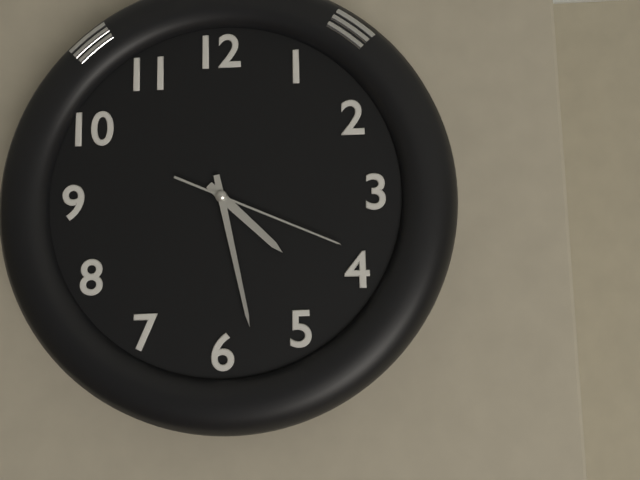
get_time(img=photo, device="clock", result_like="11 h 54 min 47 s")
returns 4 h 28 min 19 s
